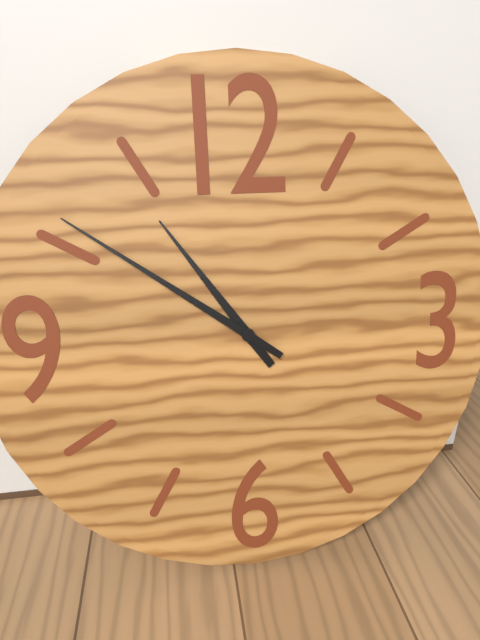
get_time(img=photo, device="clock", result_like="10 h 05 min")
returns 10 h 51 min
